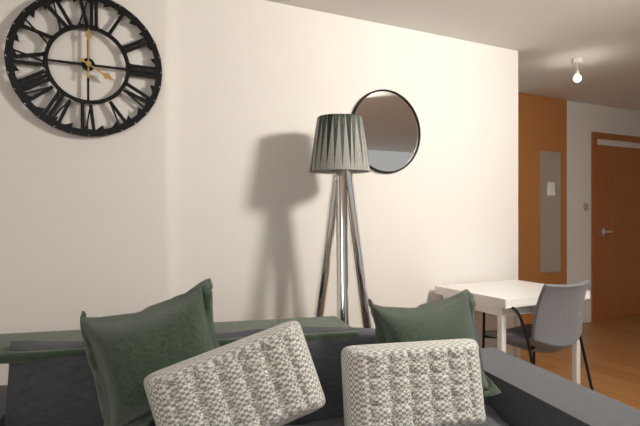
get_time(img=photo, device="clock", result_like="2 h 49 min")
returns 4 h 00 min
